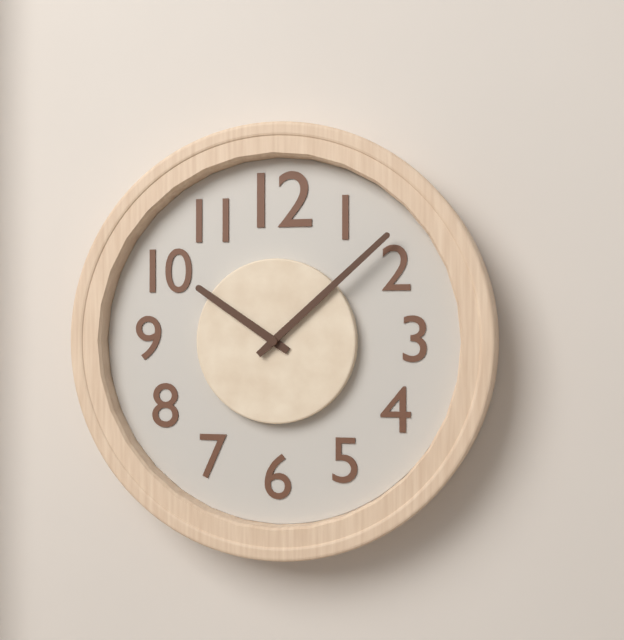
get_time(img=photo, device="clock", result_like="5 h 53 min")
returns 10 h 08 min
